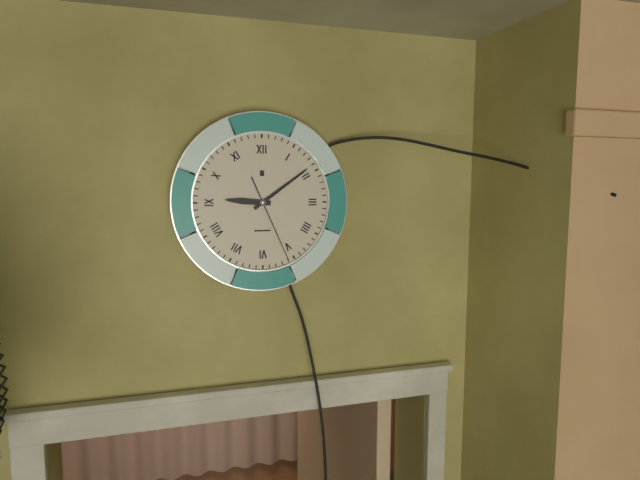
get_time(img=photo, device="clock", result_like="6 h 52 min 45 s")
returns 9 h 09 min 26 s
